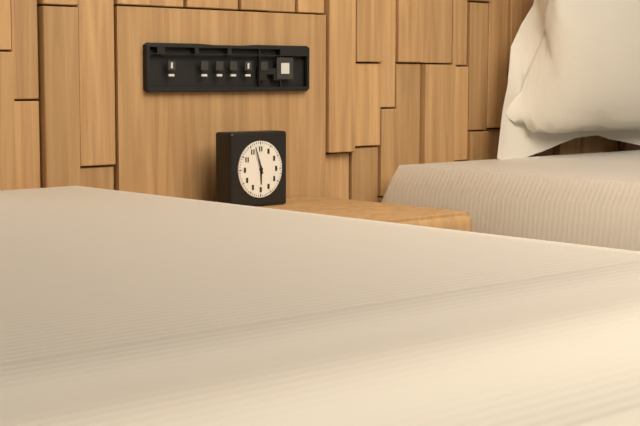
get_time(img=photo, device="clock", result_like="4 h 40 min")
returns 5 h 57 min
